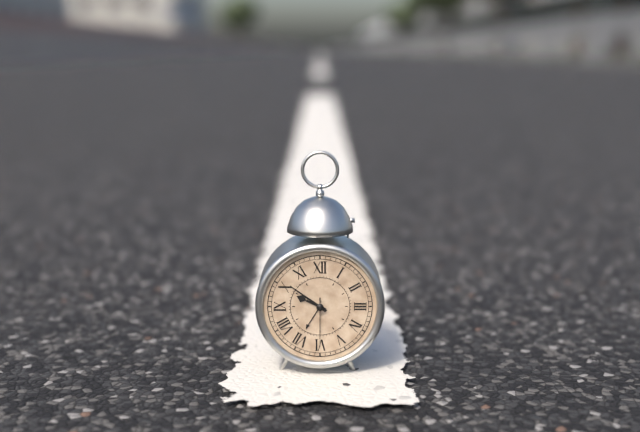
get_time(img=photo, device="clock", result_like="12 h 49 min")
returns 9 h 51 min
